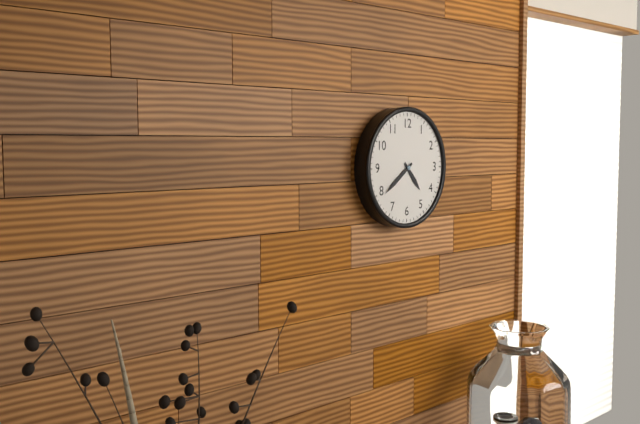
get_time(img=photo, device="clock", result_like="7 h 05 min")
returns 4 h 39 min
